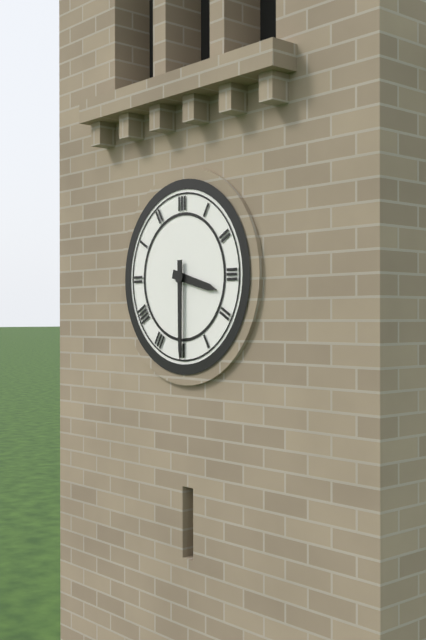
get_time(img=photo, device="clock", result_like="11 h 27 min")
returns 3 h 30 min
